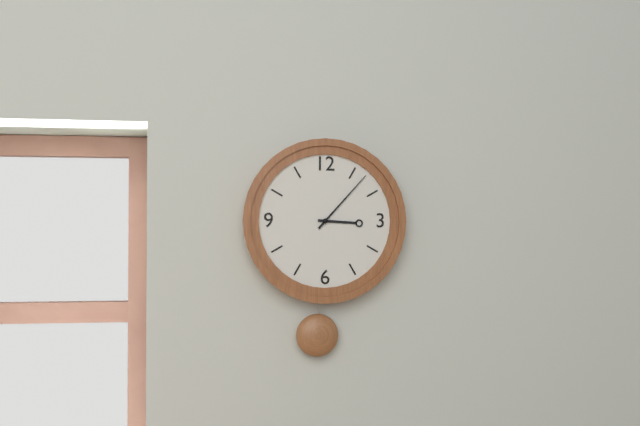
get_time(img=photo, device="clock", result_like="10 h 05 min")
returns 3 h 07 min
